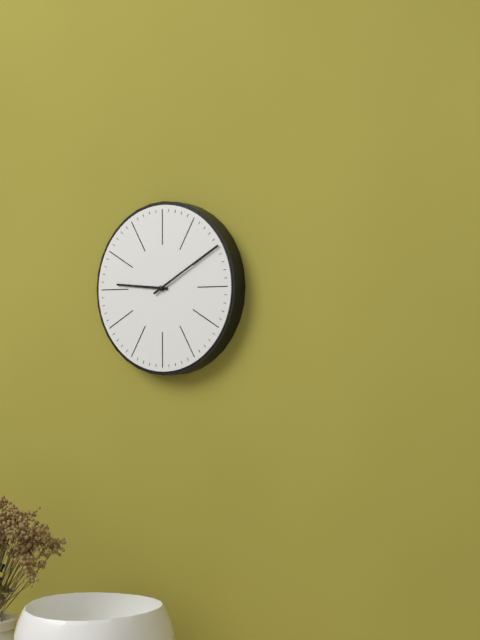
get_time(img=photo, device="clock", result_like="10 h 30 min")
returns 9 h 10 min
